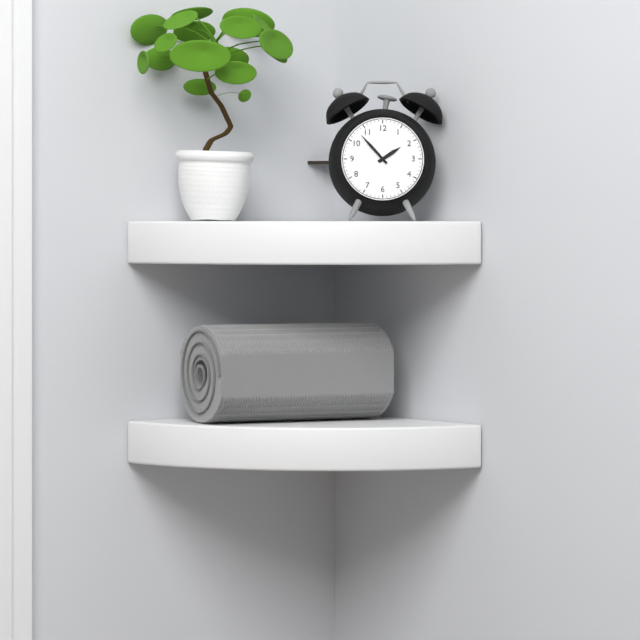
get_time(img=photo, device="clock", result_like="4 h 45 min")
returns 1 h 53 min
